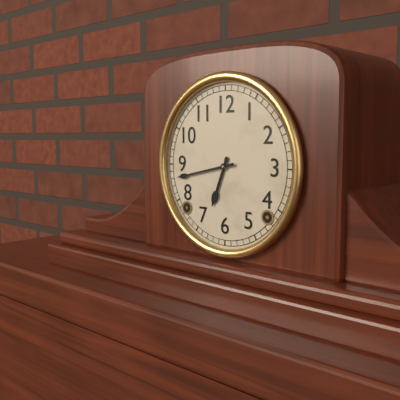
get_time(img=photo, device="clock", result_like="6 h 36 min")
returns 6 h 43 min
